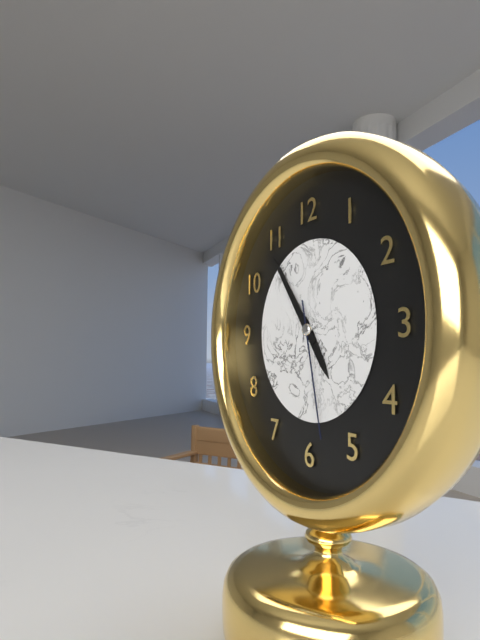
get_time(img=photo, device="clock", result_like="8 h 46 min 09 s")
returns 4 h 54 min 28 s
